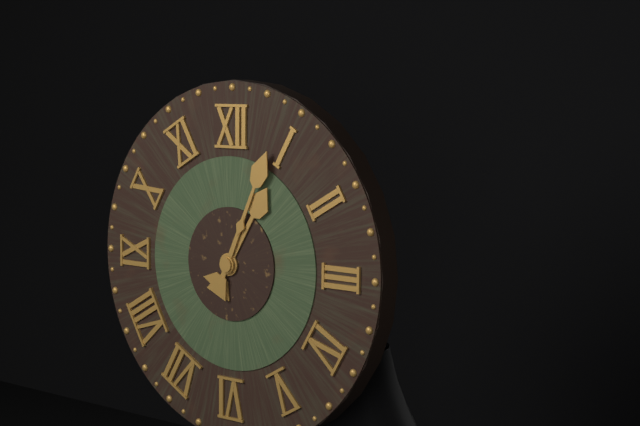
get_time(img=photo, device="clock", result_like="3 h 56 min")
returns 1 h 04 min
